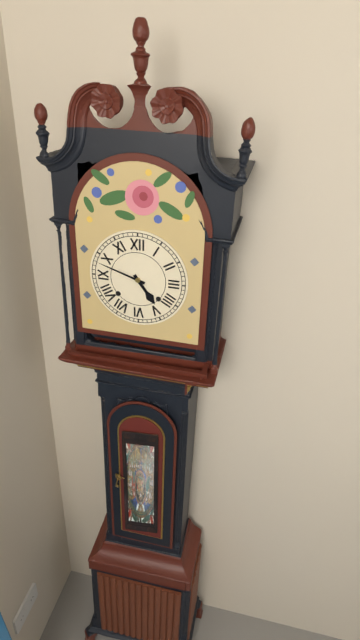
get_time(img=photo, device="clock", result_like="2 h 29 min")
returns 4 h 48 min
